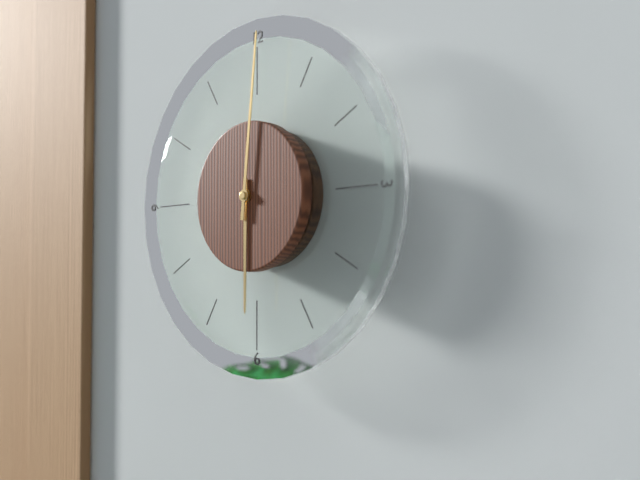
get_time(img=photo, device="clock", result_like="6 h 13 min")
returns 6 h 01 min
